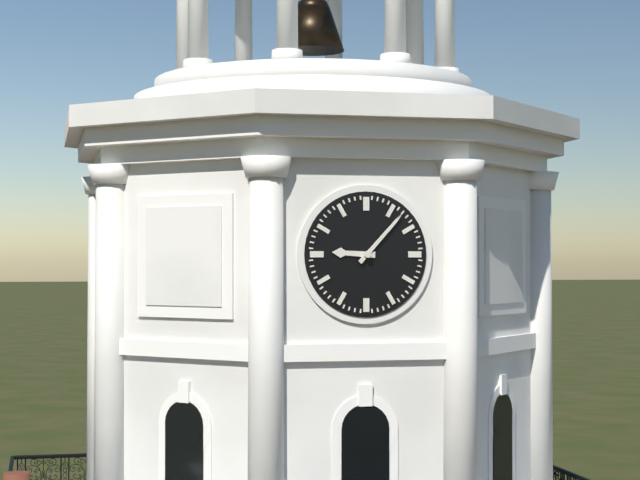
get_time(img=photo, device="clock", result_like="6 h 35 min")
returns 9 h 07 min
